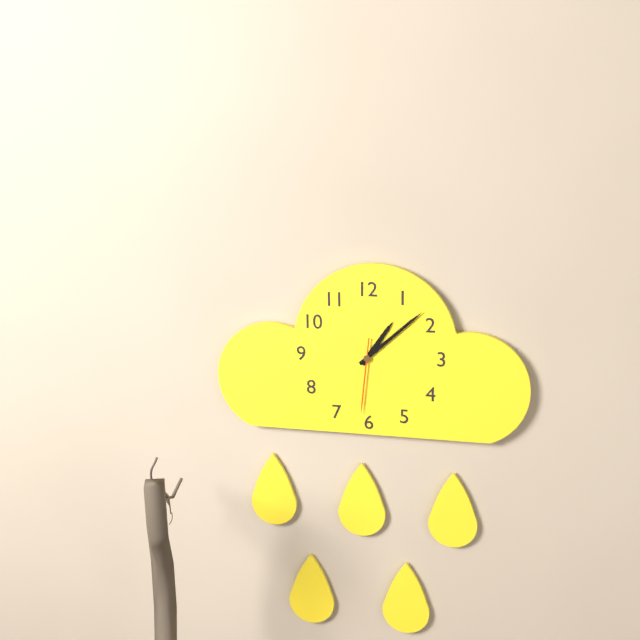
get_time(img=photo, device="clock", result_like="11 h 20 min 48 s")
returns 1 h 08 min 31 s
